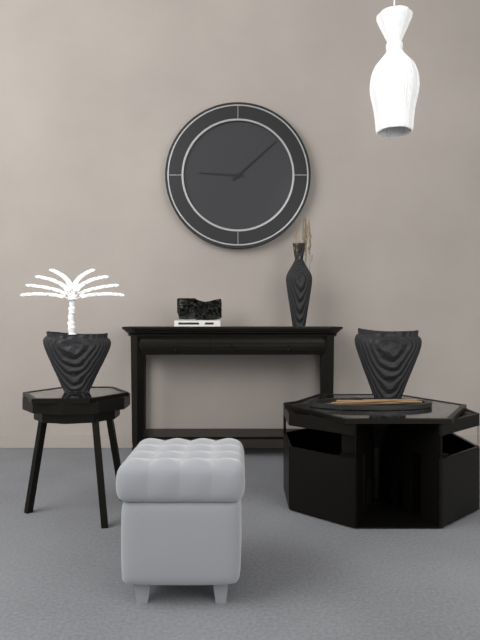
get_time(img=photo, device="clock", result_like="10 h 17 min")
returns 9 h 08 min
